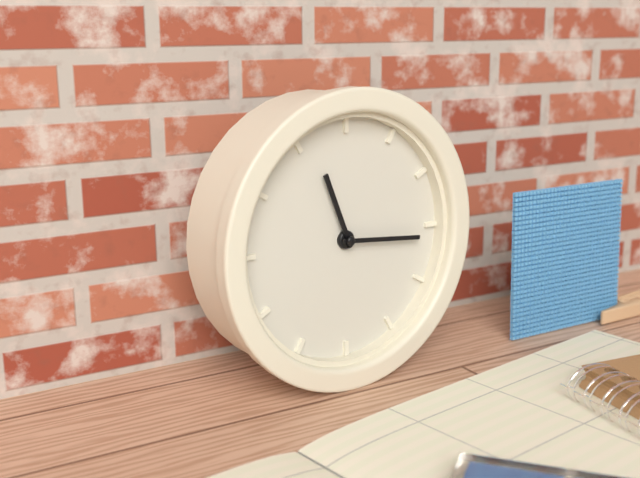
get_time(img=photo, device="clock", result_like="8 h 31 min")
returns 11 h 16 min
